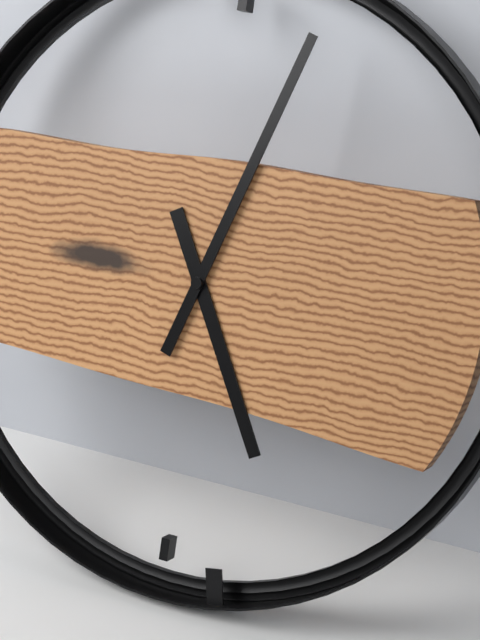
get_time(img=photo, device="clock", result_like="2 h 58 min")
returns 5 h 03 min
